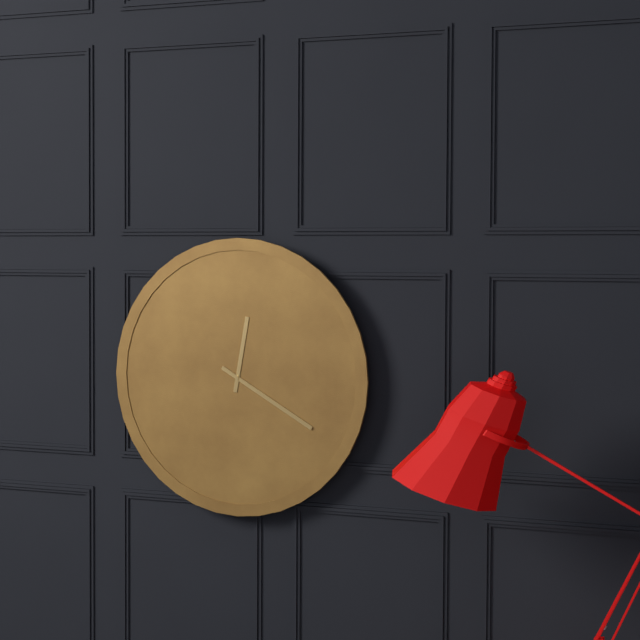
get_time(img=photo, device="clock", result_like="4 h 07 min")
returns 12 h 20 min
